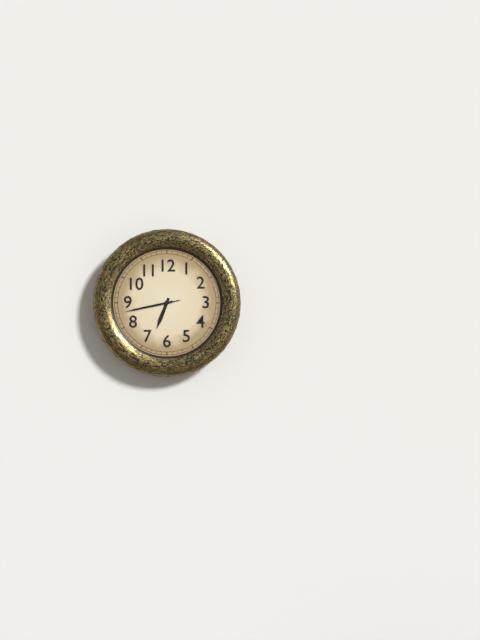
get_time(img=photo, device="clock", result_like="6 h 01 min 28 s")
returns 6 h 43 min 43 s
